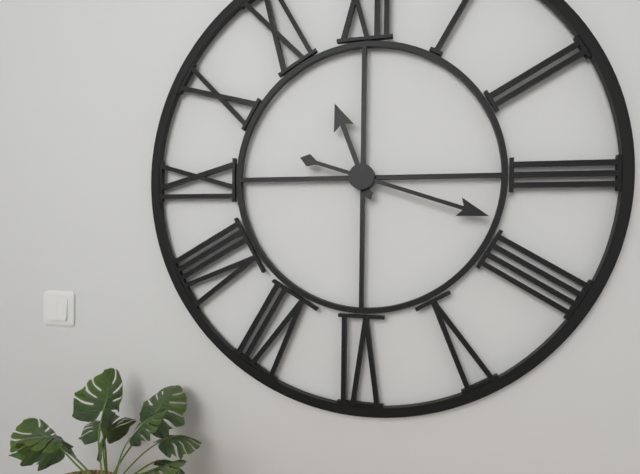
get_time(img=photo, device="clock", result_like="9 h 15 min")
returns 11 h 18 min
